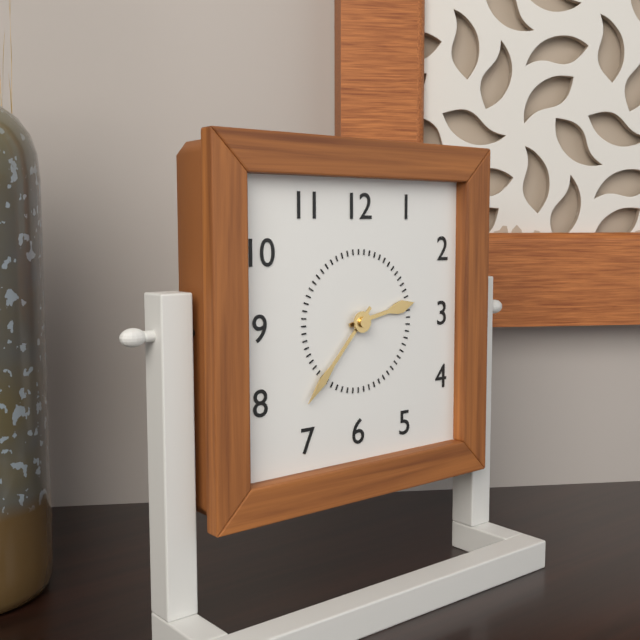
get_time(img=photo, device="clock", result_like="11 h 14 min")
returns 2 h 37 min
